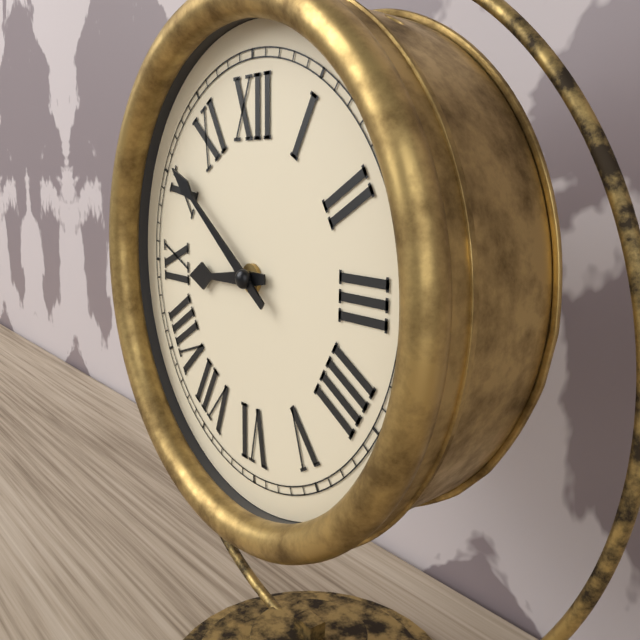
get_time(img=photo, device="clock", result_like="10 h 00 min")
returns 8 h 51 min
